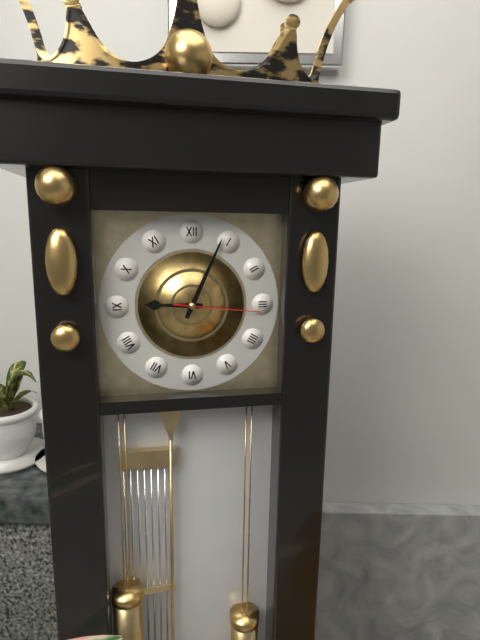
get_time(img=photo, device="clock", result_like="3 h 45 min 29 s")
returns 9 h 04 min 16 s
